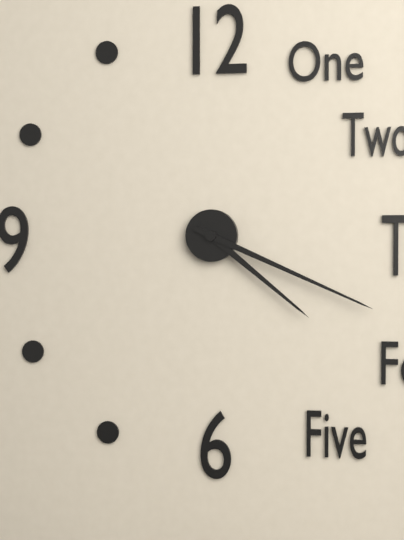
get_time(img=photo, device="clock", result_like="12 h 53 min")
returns 4 h 19 min
